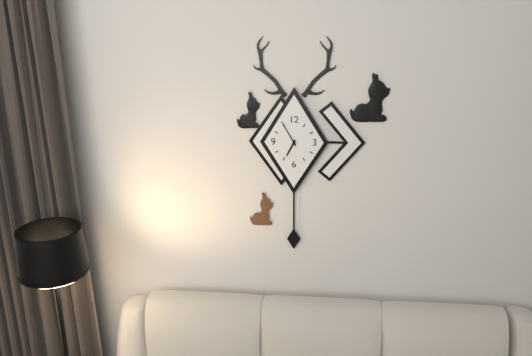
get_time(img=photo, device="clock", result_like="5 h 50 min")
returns 6 h 55 min
